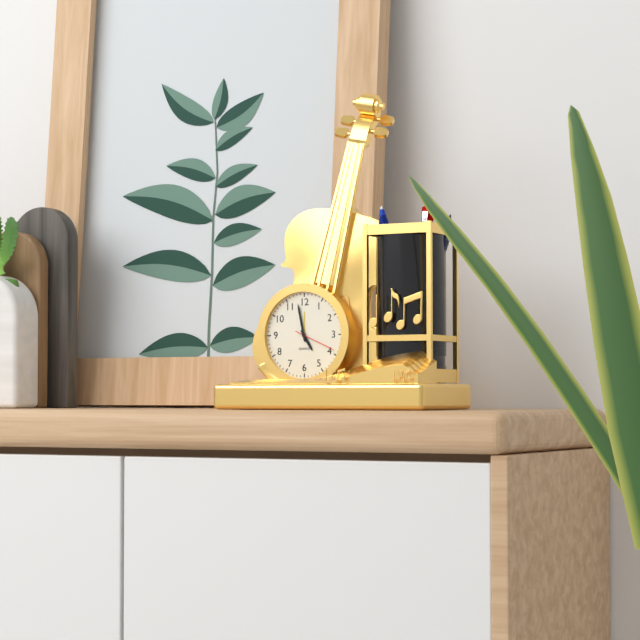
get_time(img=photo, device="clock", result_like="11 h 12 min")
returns 4 h 58 min
